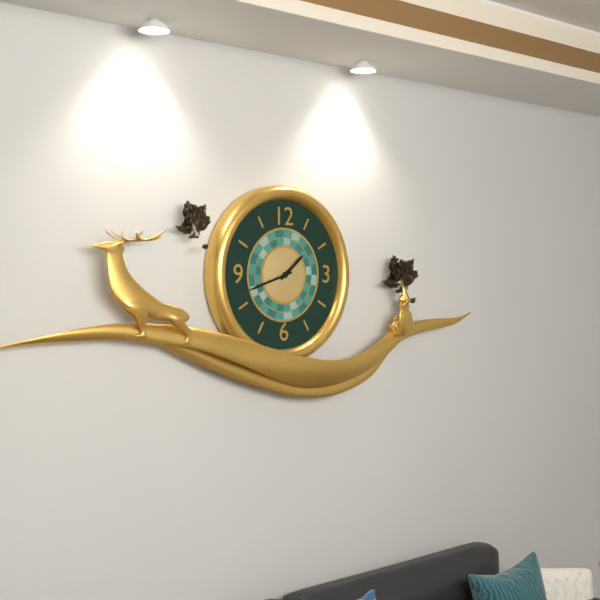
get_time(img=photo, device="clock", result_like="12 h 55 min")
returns 1 h 42 min
